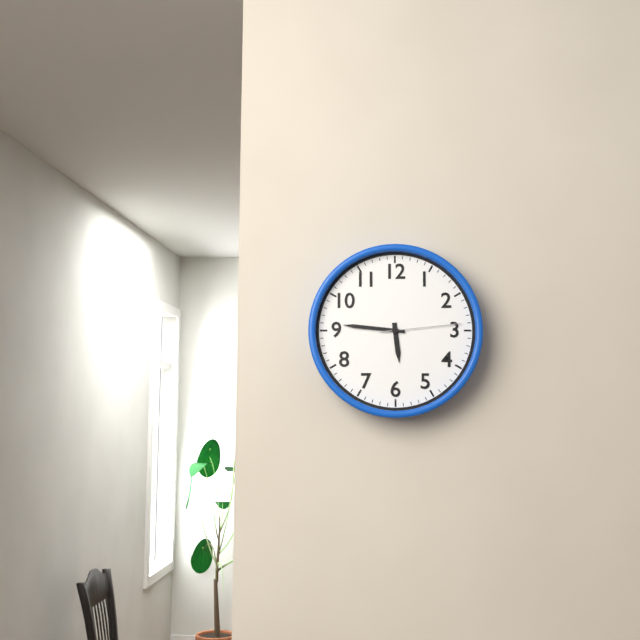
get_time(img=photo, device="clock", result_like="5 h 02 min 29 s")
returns 5 h 46 min 14 s
